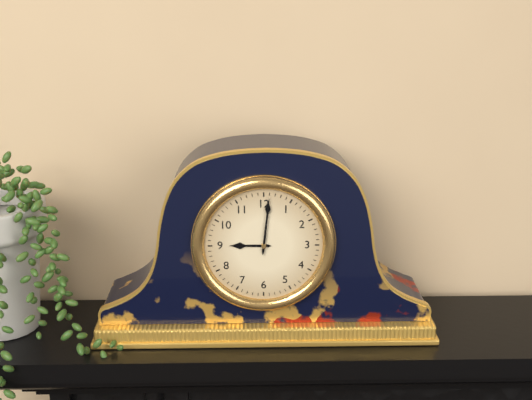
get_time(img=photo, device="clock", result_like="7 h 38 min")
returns 9 h 01 min
